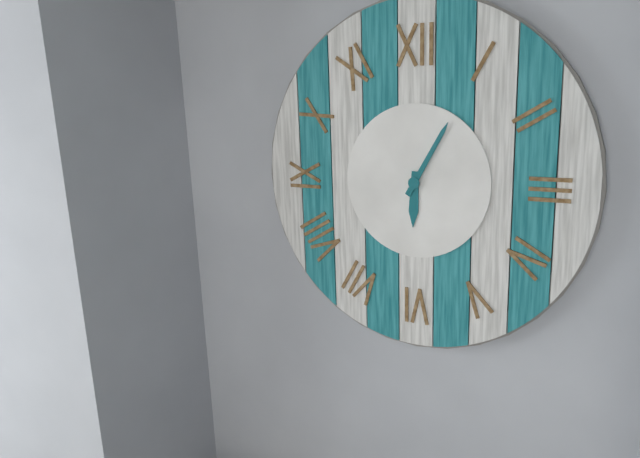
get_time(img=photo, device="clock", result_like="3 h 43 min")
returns 6 h 05 min
